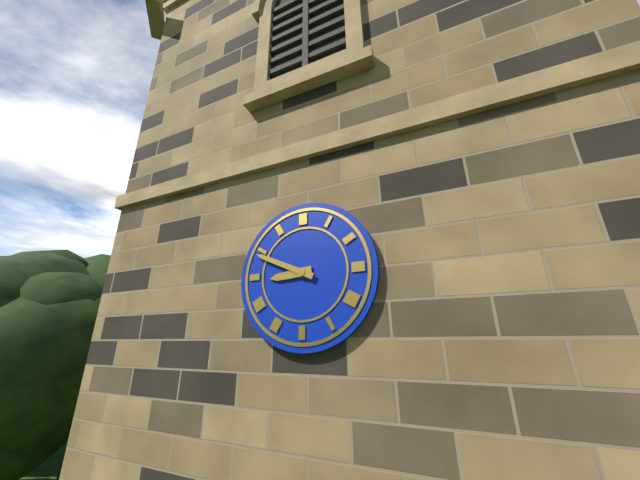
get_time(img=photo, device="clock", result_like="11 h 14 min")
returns 8 h 49 min
